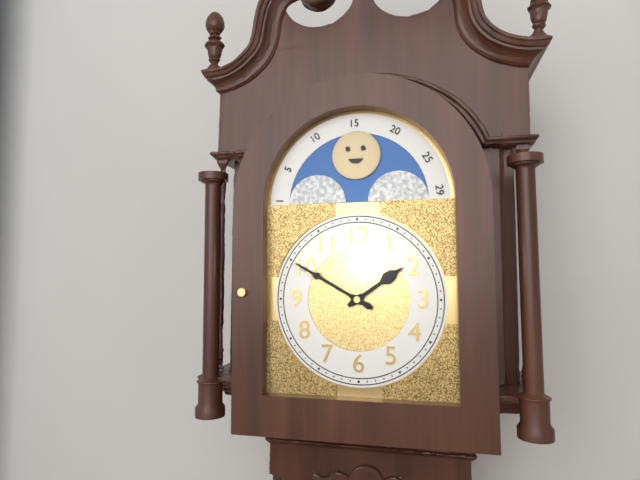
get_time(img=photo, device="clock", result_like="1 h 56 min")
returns 1 h 50 min
